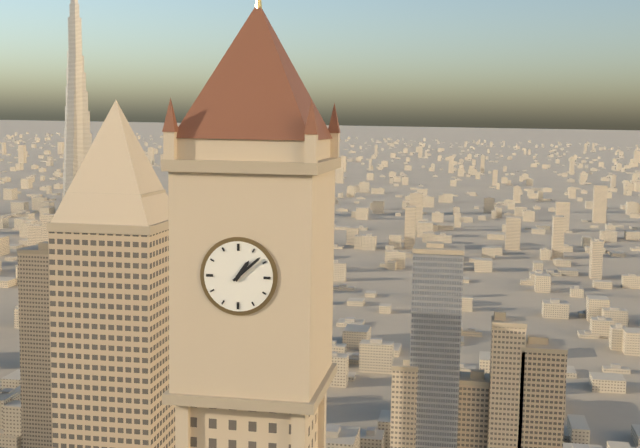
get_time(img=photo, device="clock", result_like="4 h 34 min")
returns 1 h 08 min
